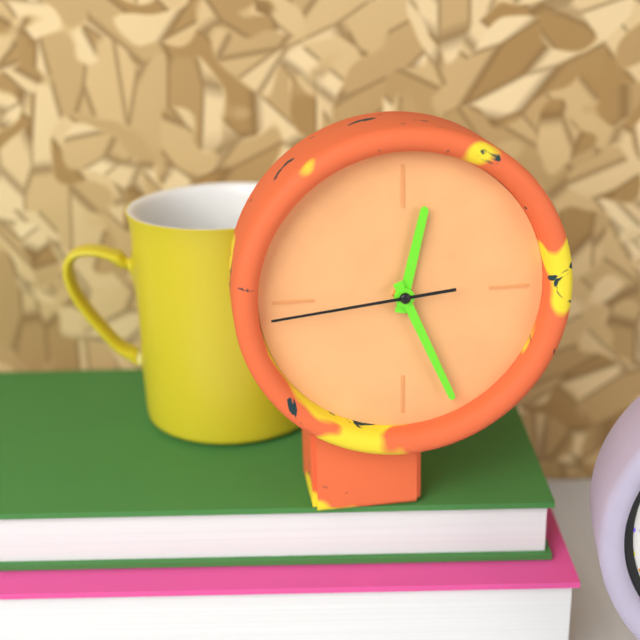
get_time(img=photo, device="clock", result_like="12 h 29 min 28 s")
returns 12 h 26 min 44 s
